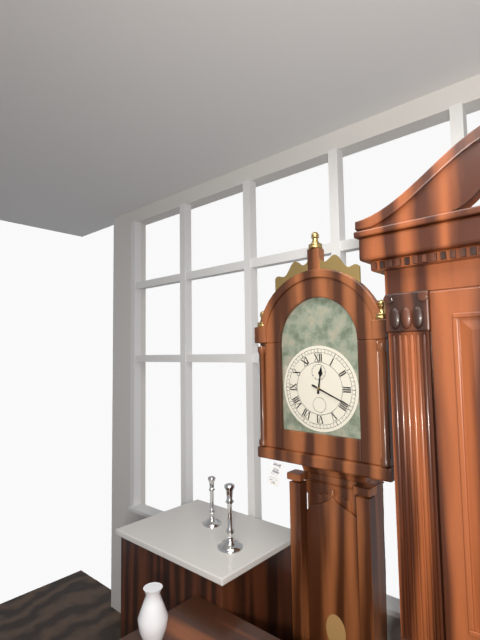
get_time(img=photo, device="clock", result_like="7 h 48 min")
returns 12 h 19 min
